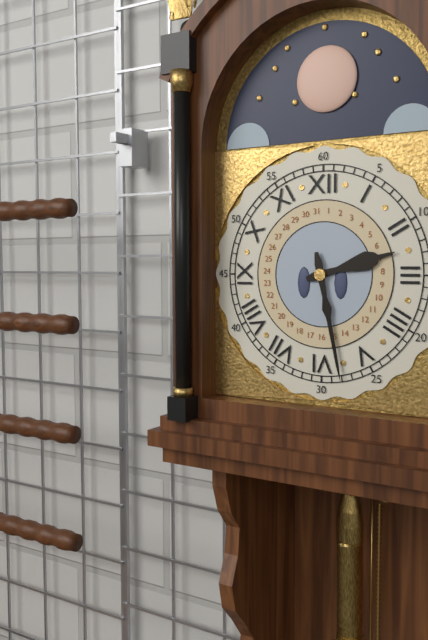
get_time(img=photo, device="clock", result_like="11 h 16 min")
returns 2 h 28 min
